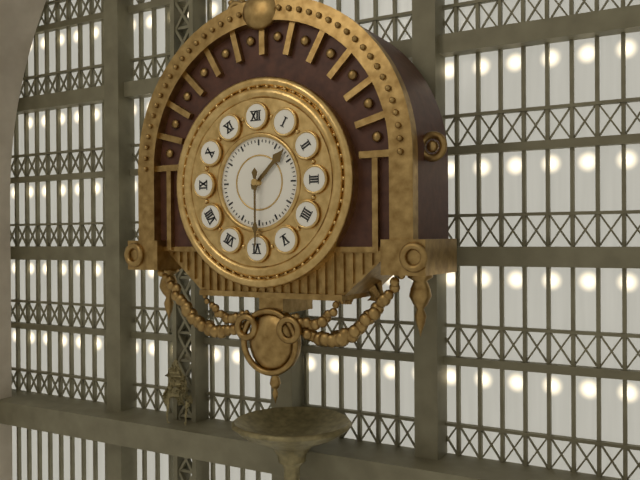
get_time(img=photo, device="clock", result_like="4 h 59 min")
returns 1 h 30 min
